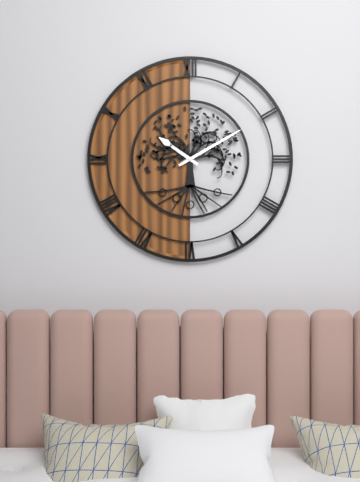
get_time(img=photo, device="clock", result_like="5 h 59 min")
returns 10 h 10 min
